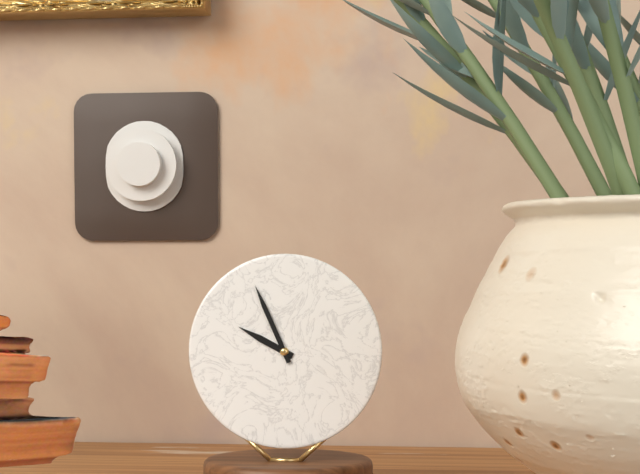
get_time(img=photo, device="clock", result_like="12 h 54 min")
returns 9 h 56 min
